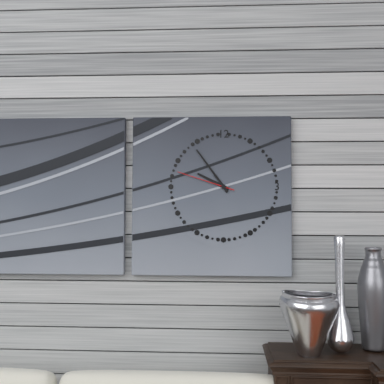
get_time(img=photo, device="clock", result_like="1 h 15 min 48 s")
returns 9 h 54 min 48 s
